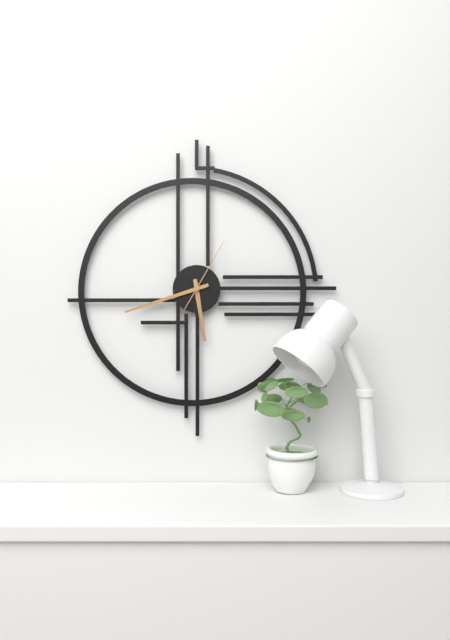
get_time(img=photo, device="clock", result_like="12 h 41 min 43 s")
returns 5 h 42 min 05 s
